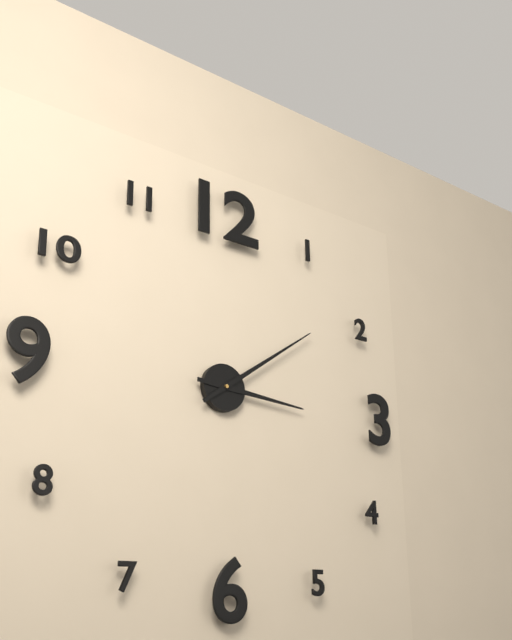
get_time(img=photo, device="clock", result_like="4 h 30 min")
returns 3 h 09 min
